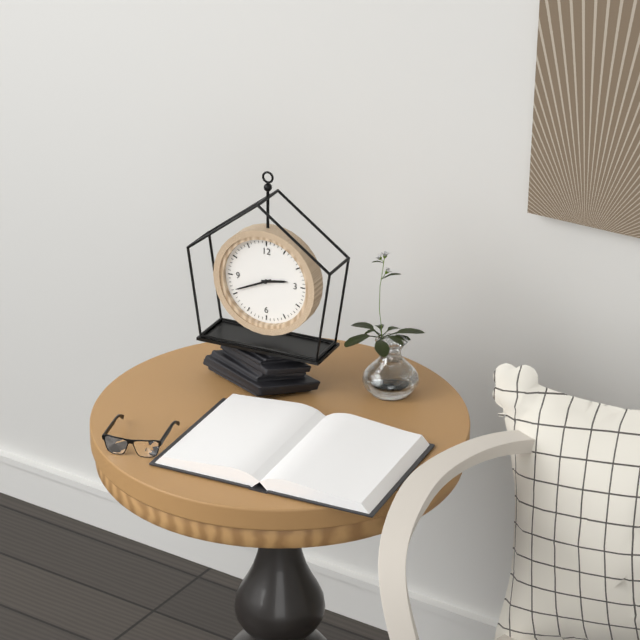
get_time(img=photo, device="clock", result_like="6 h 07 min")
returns 2 h 41 min
